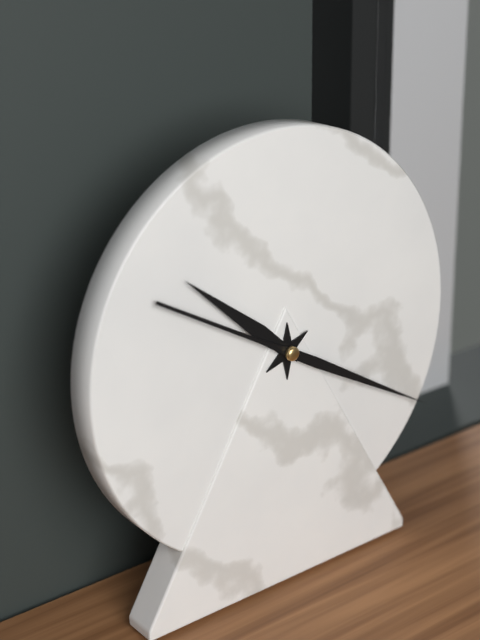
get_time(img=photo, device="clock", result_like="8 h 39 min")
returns 10 h 20 min
